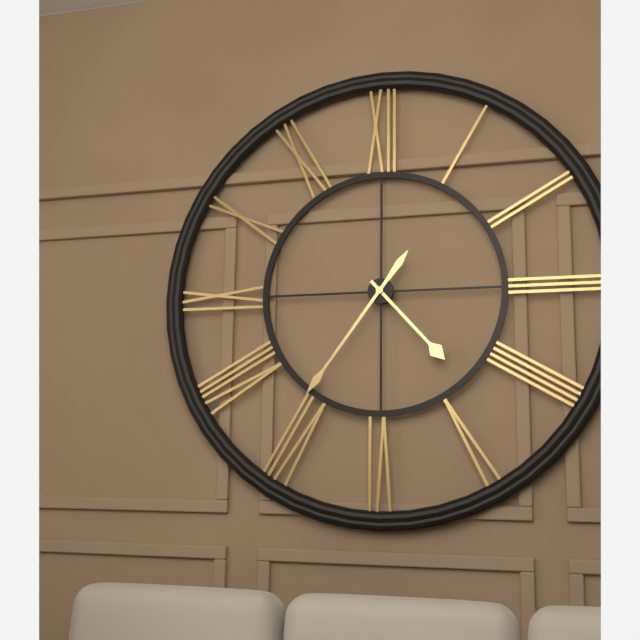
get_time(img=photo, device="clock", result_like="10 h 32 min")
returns 4 h 36 min
